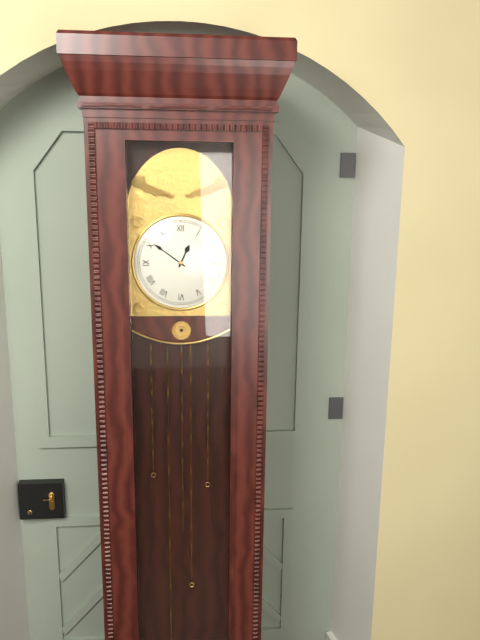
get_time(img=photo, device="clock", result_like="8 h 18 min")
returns 12 h 51 min
